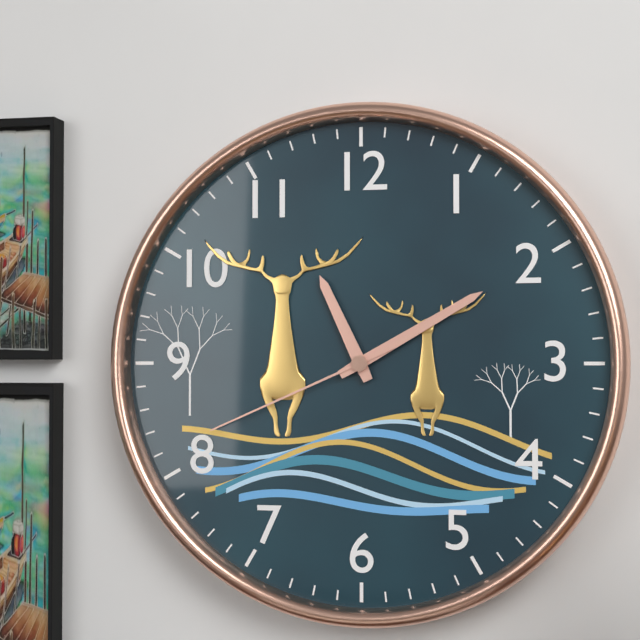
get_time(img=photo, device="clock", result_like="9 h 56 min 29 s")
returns 11 h 10 min 41 s
